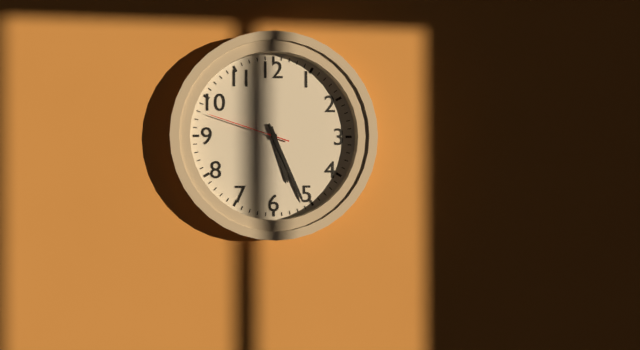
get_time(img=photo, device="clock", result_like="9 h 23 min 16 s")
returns 5 h 26 min 48 s
